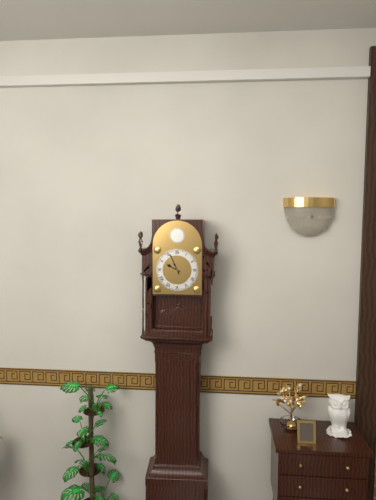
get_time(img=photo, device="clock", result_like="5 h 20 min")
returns 9 h 56 min
